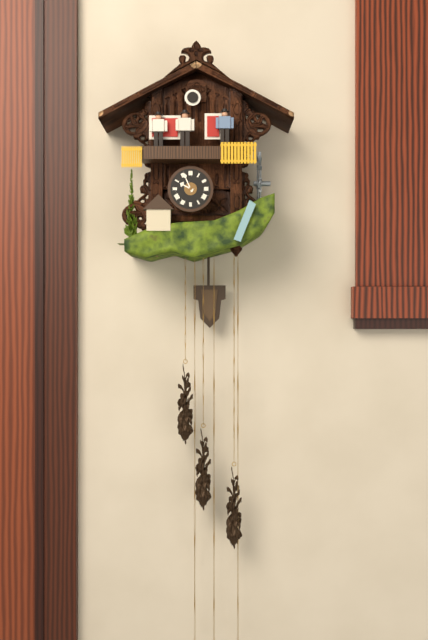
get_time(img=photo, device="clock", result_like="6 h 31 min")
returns 9 h 56 min
